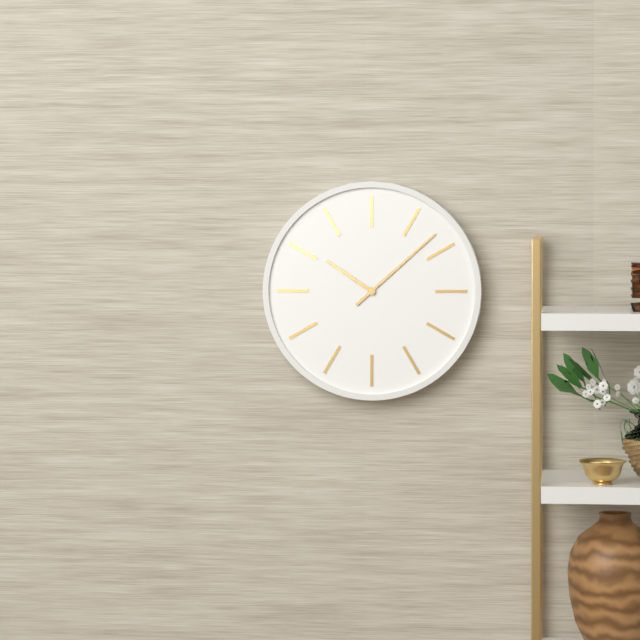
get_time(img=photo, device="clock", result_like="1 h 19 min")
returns 10 h 08 min
